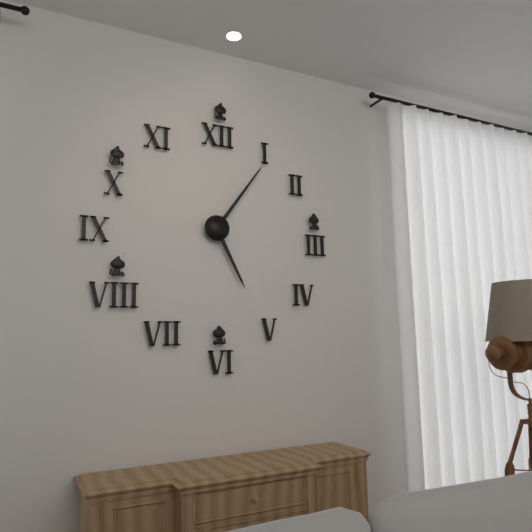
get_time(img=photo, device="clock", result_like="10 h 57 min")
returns 5 h 06 min
